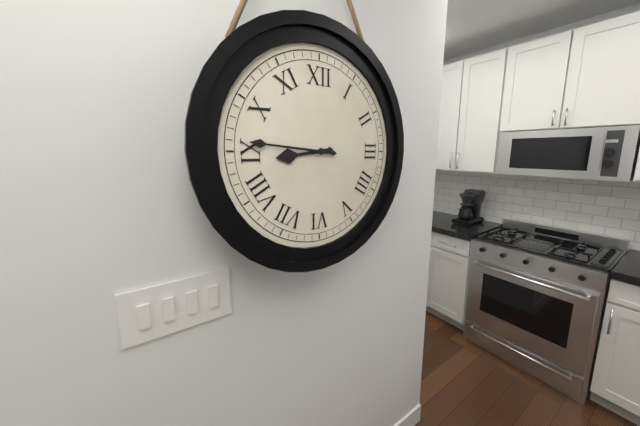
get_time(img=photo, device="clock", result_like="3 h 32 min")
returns 8 h 46 min
